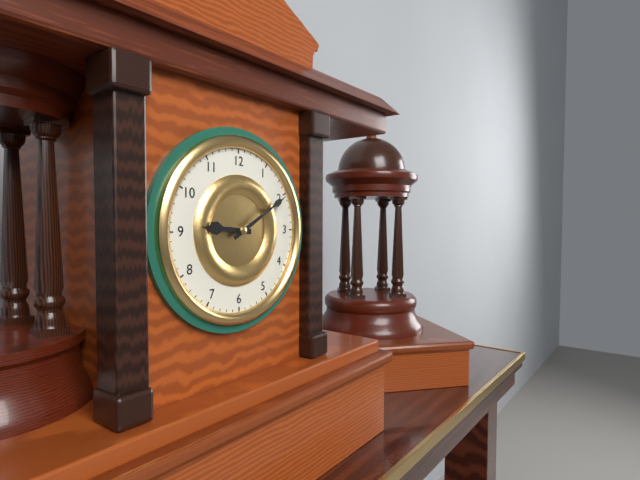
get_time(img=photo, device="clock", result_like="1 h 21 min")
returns 9 h 10 min
